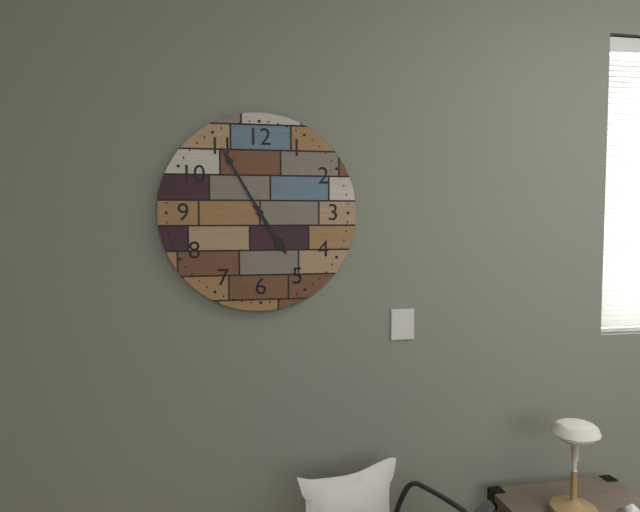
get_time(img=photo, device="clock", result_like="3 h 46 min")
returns 4 h 55 min
